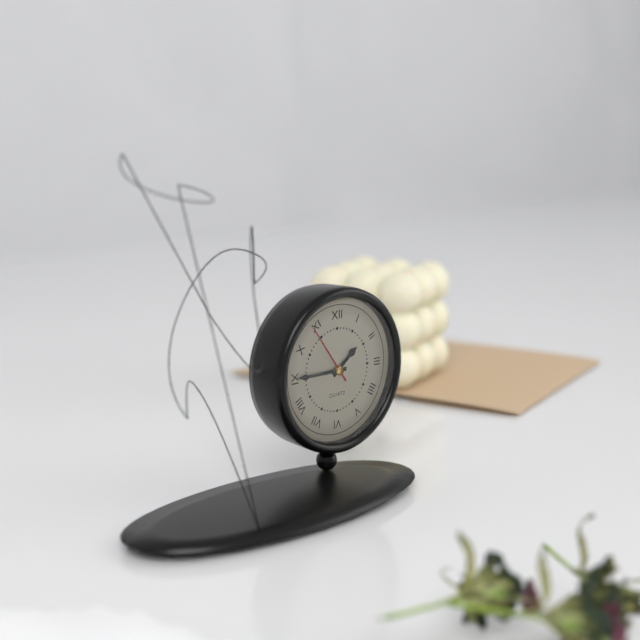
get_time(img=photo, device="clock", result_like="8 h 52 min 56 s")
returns 1 h 45 min 54 s
